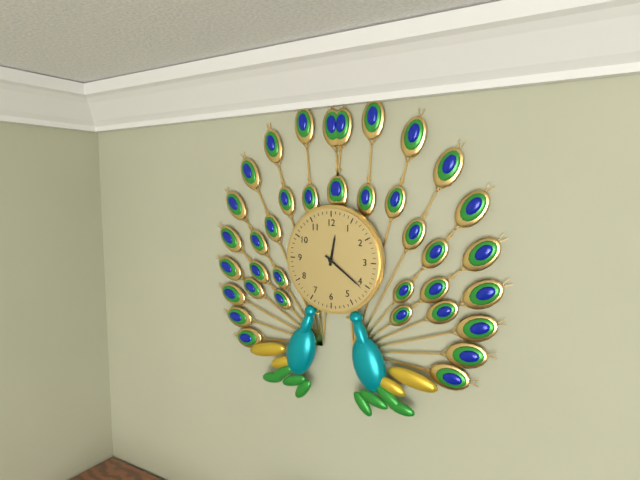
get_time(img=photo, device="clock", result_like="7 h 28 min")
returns 12 h 21 min
